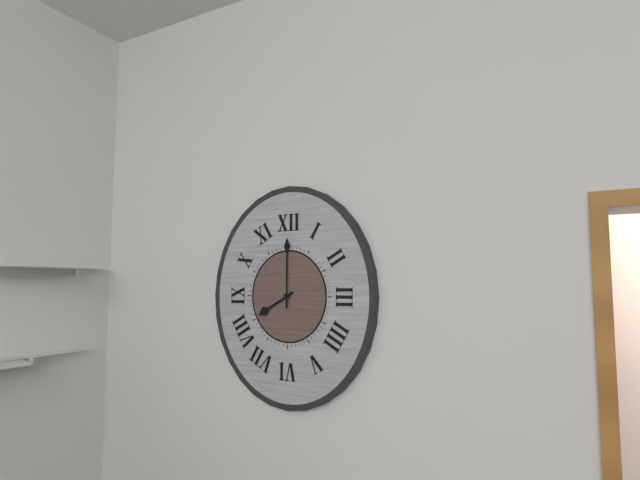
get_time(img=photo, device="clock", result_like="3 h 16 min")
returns 8 h 00 min
